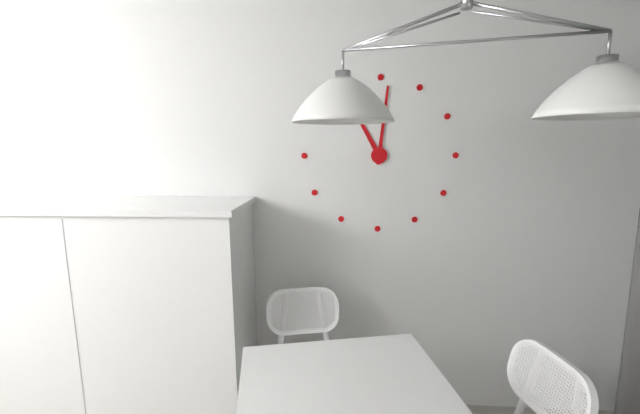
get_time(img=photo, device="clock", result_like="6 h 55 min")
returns 11 h 01 min
